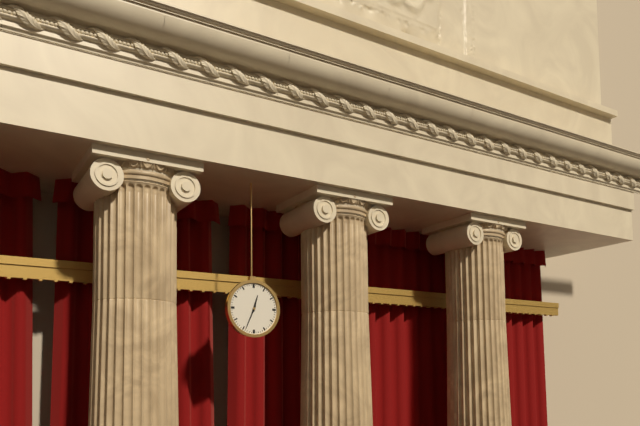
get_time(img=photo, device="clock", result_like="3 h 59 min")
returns 12 h 34 min
